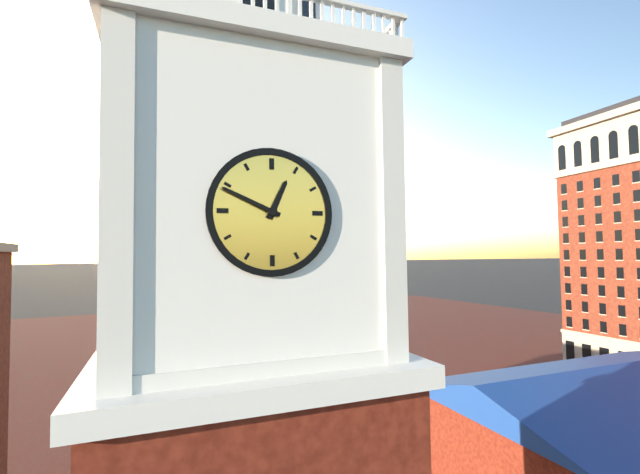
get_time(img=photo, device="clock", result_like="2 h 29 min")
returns 12 h 49 min
